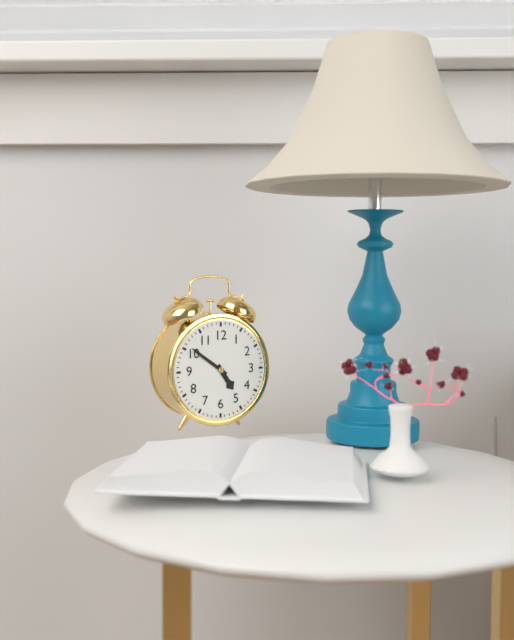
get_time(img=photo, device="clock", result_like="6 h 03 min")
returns 4 h 51 min
